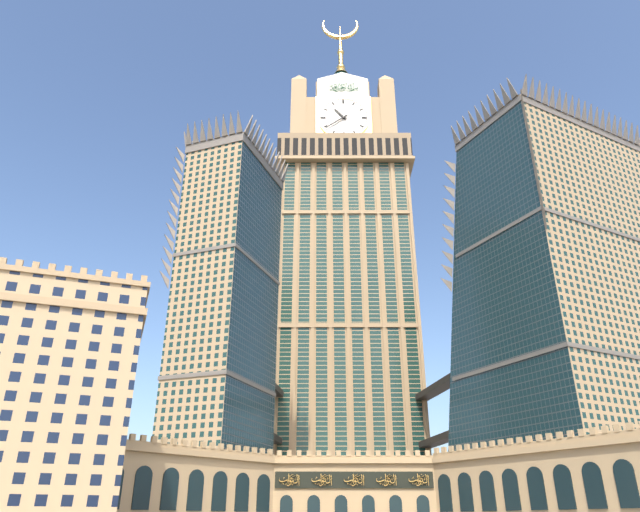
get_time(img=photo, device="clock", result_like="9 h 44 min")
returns 10 h 39 min
